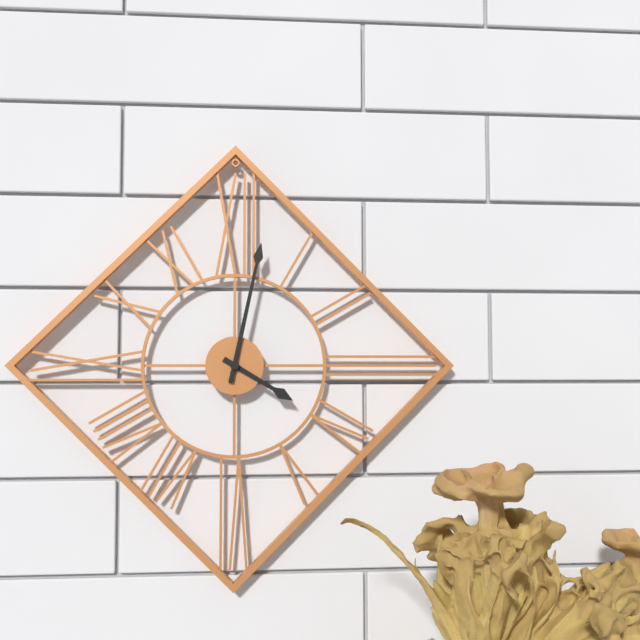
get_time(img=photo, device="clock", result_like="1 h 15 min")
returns 4 h 02 min
